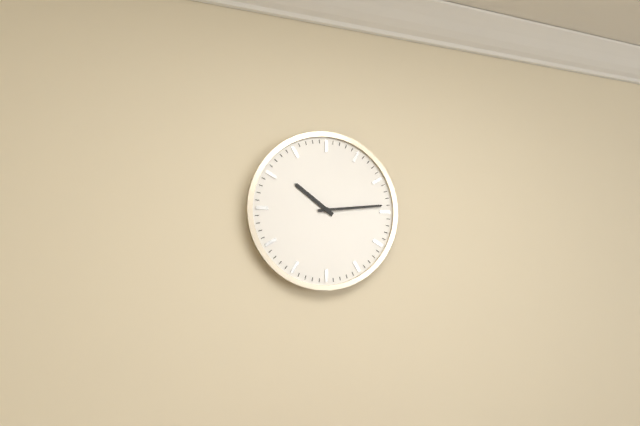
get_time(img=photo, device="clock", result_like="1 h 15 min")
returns 10 h 14 min
